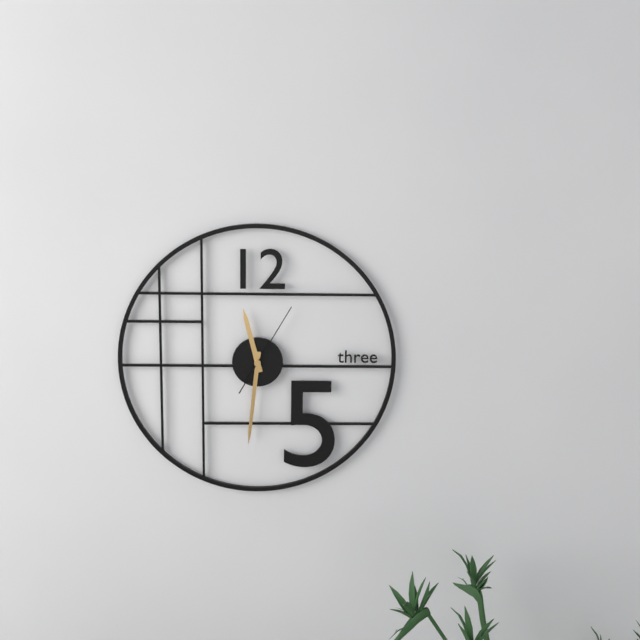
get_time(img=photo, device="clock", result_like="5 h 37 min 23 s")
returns 11 h 31 min 05 s
